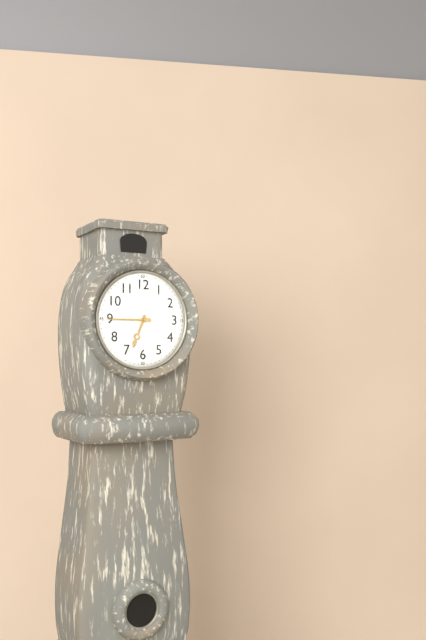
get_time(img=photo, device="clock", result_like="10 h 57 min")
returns 6 h 45 min
